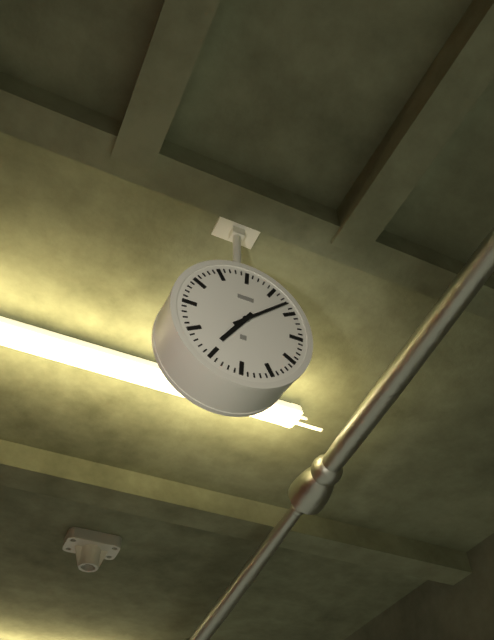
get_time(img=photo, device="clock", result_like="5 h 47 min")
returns 7 h 08 min
